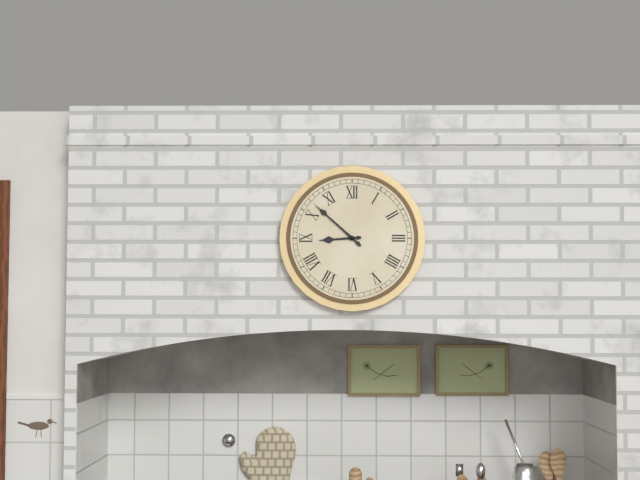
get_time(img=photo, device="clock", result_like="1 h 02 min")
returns 8 h 52 min
